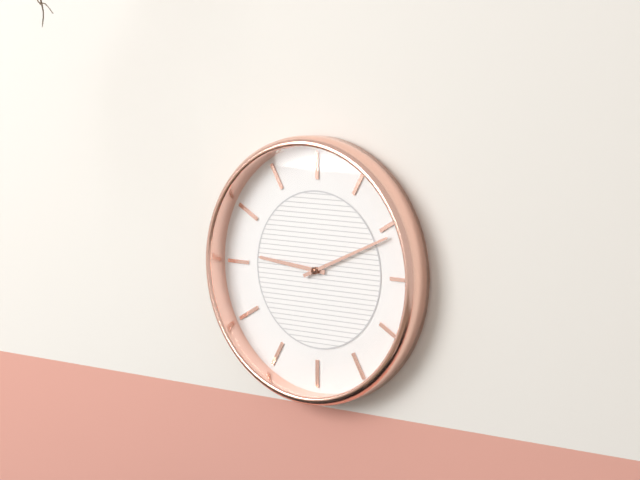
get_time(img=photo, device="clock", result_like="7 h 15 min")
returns 9 h 11 min
